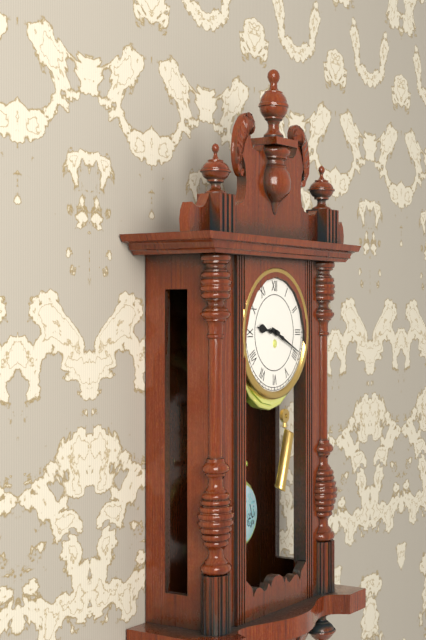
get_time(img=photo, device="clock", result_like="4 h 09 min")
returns 9 h 19 min
